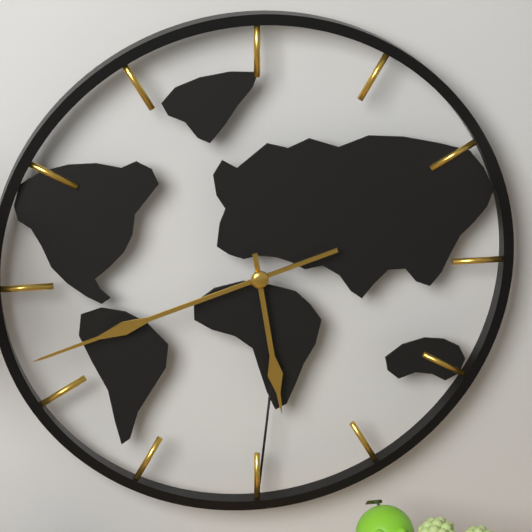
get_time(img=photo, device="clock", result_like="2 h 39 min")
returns 5 h 42 min
